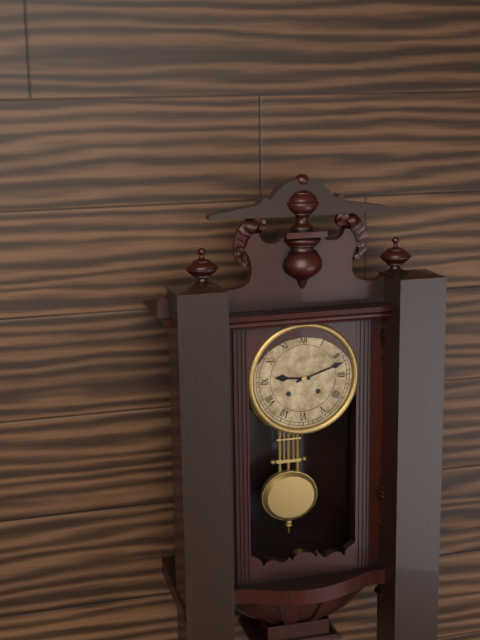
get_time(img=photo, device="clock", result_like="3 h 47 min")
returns 9 h 12 min
